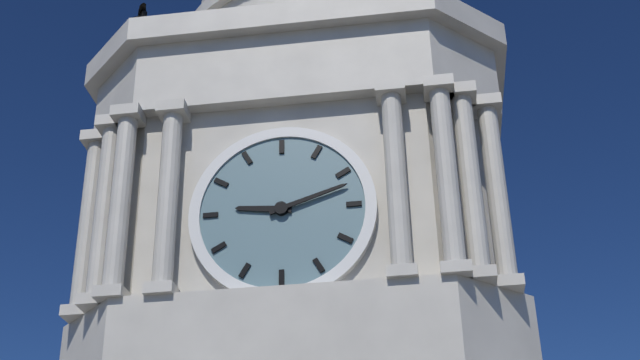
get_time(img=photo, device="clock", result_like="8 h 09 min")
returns 9 h 12 min
